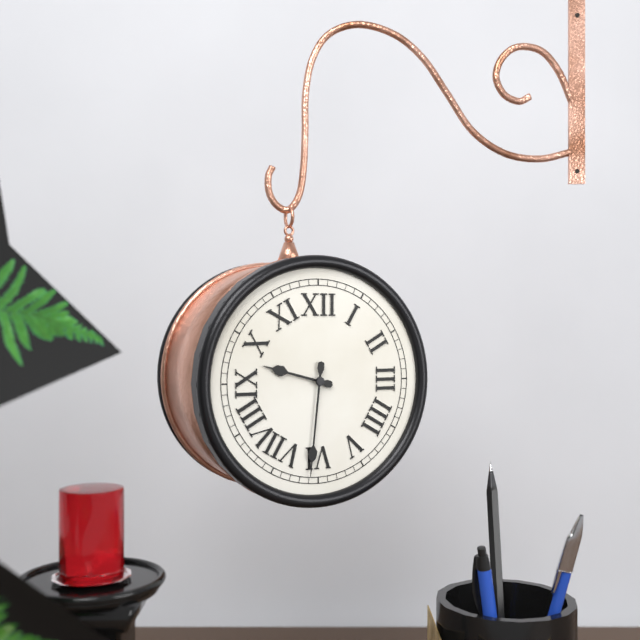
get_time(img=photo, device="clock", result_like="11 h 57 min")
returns 9 h 31 min
